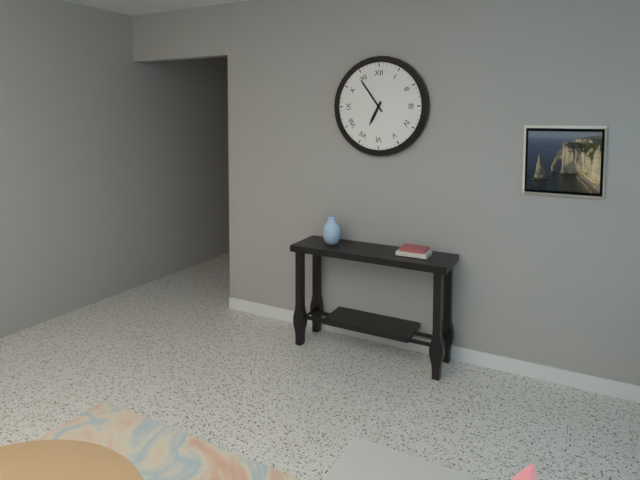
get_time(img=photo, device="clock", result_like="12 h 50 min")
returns 6 h 54 min
